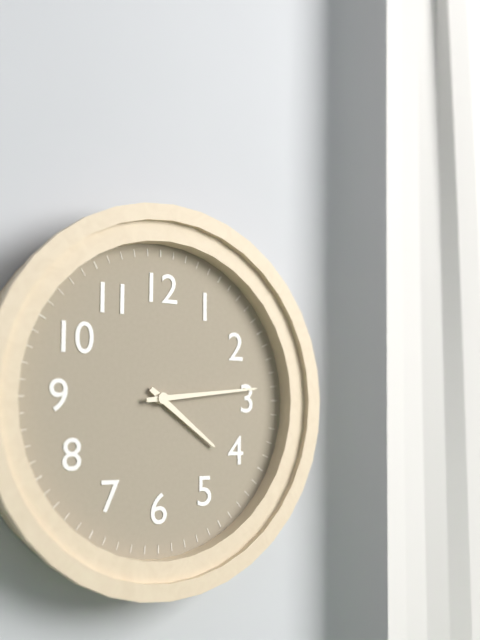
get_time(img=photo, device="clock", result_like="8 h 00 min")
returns 4 h 14 min
